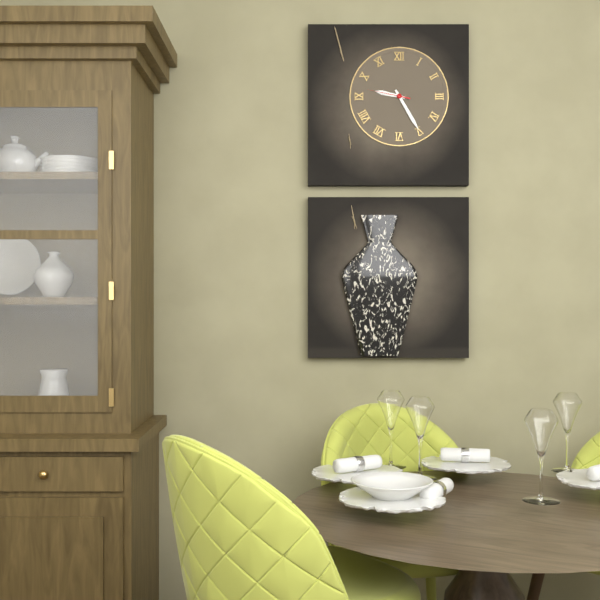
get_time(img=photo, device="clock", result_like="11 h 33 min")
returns 9 h 25 min
